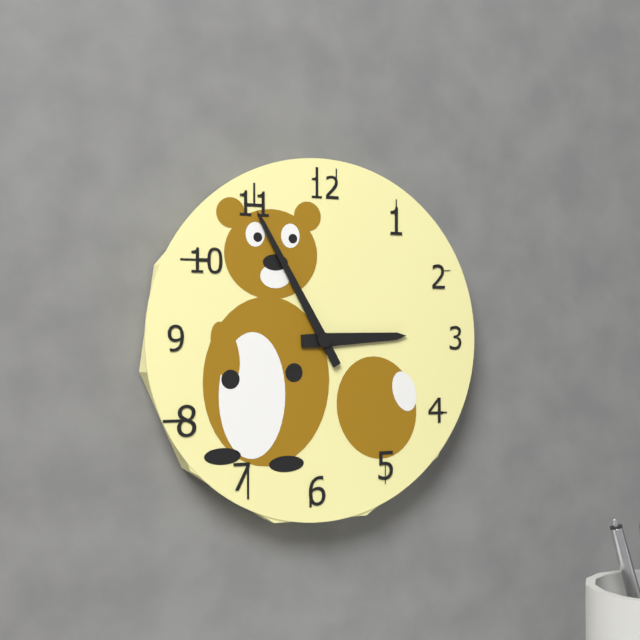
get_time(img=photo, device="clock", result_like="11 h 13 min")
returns 2 h 55 min
